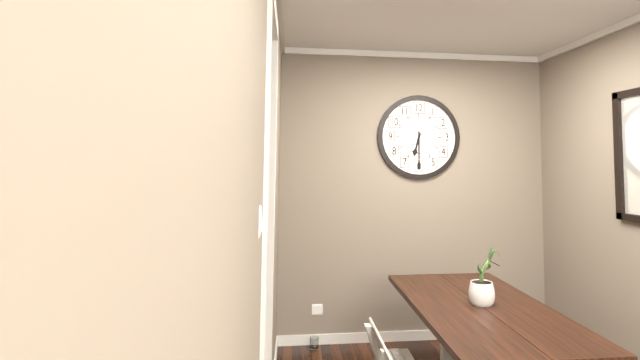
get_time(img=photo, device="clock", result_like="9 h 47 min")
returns 6 h 30 min
